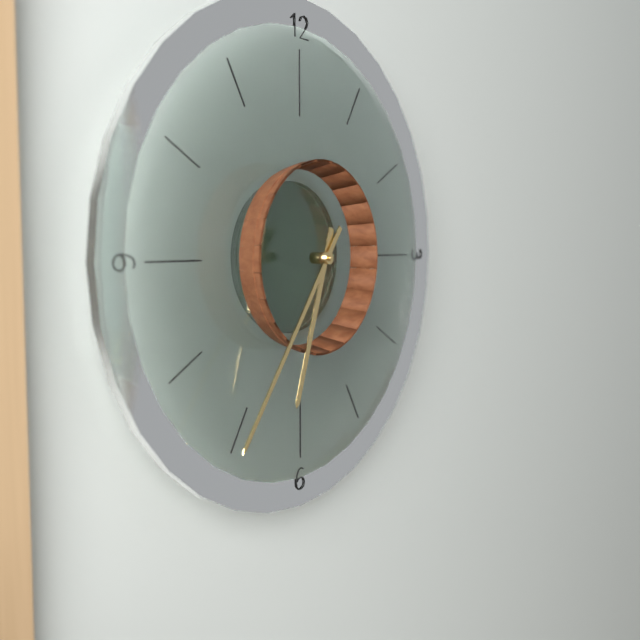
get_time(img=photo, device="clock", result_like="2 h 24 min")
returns 6 h 36 min
